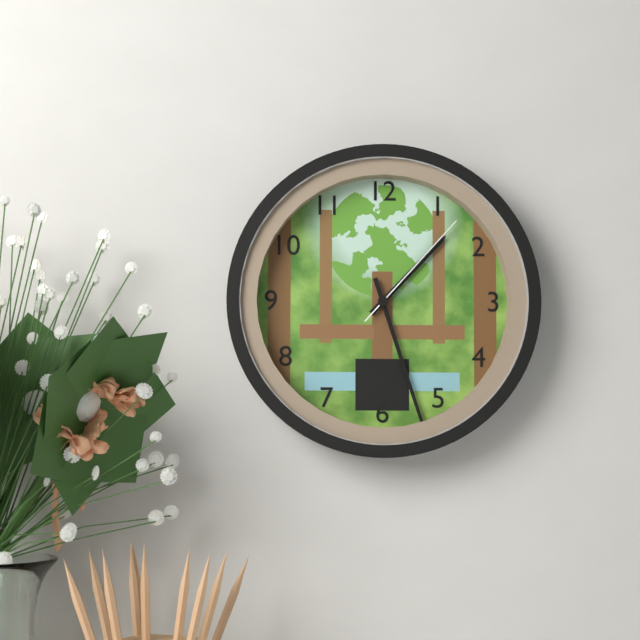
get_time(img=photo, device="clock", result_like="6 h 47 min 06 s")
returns 1 h 27 min 07 s
